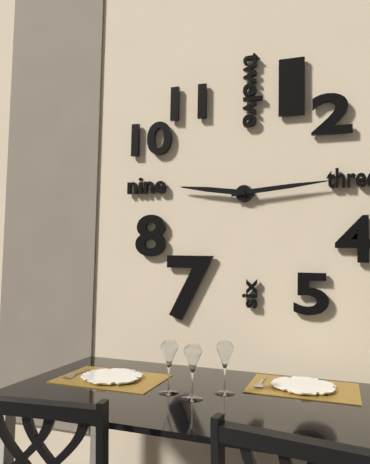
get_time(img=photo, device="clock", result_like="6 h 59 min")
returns 9 h 14 min
